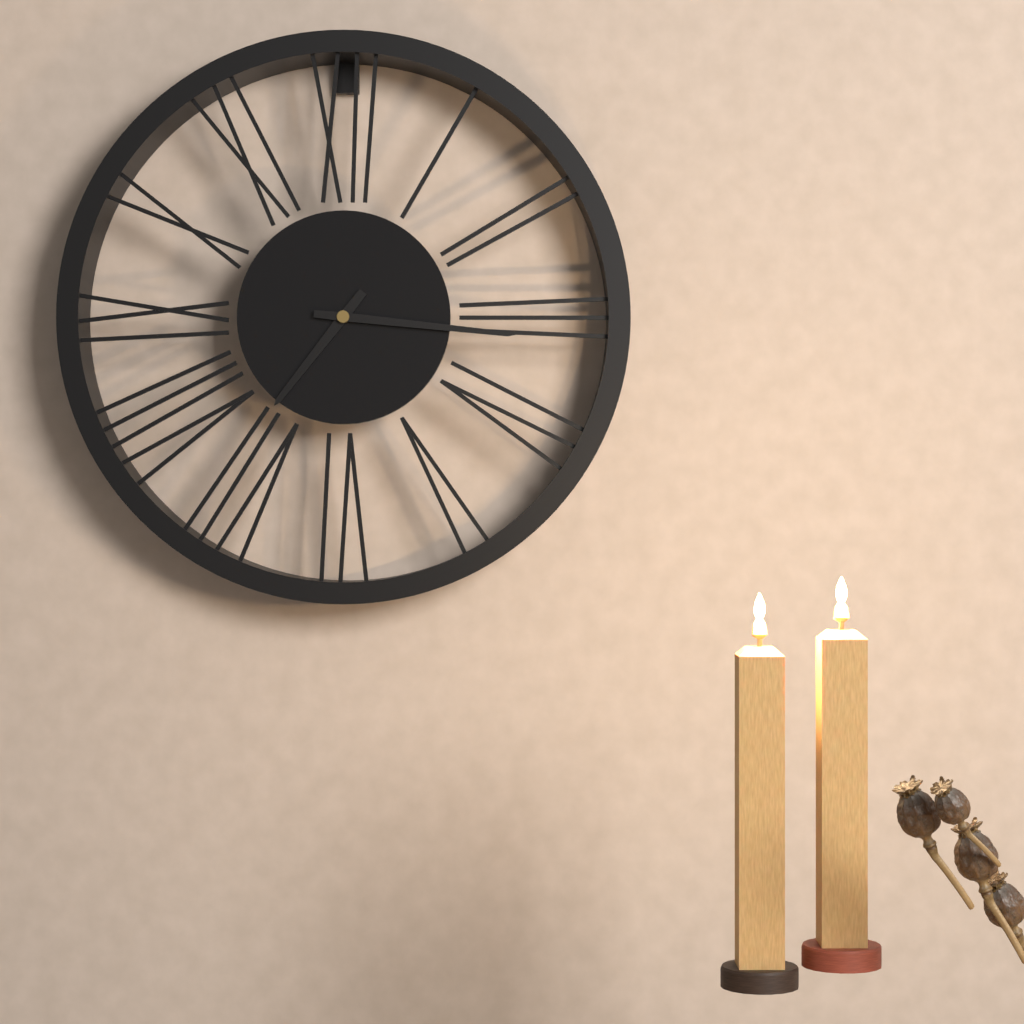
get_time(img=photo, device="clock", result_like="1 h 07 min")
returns 7 h 16 min
